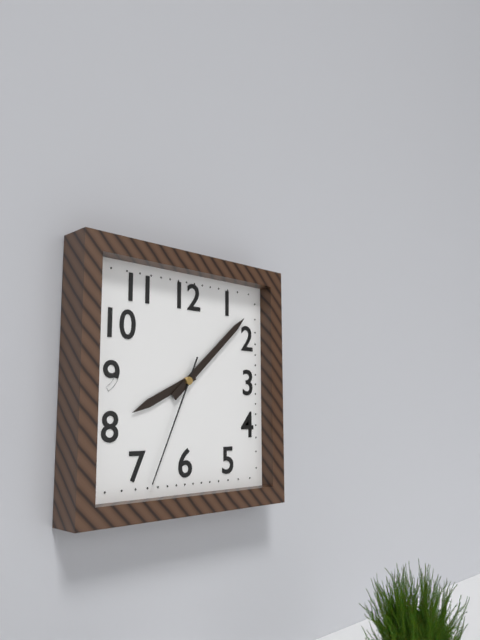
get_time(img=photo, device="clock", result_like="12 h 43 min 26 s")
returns 8 h 08 min 34 s
